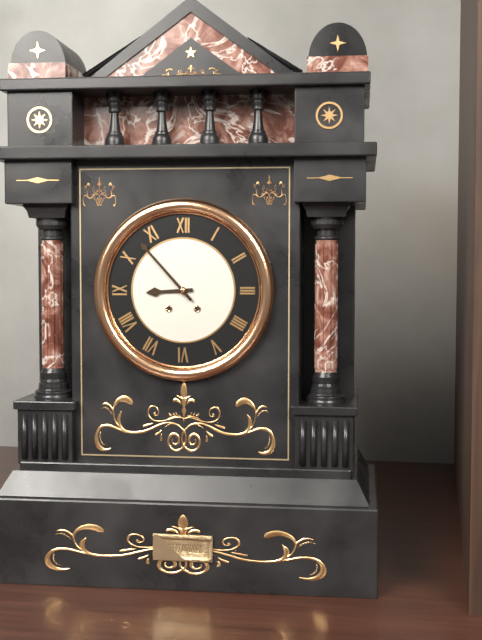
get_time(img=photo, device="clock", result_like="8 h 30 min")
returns 8 h 53 min
